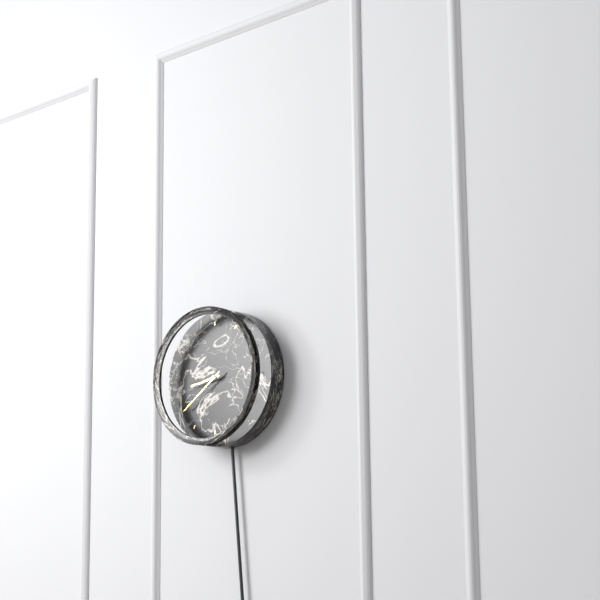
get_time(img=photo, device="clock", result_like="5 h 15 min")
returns 8 h 39 min
